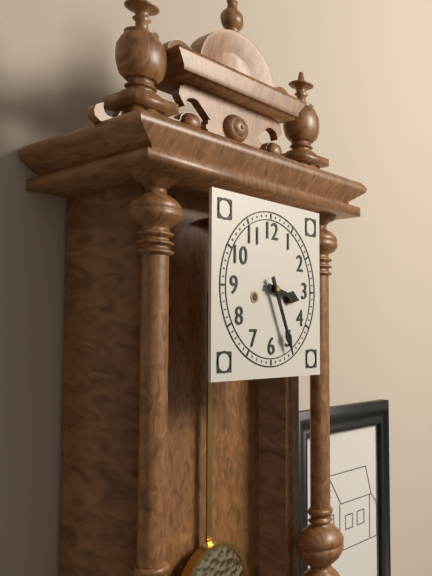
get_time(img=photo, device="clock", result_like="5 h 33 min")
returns 3 h 26 min
